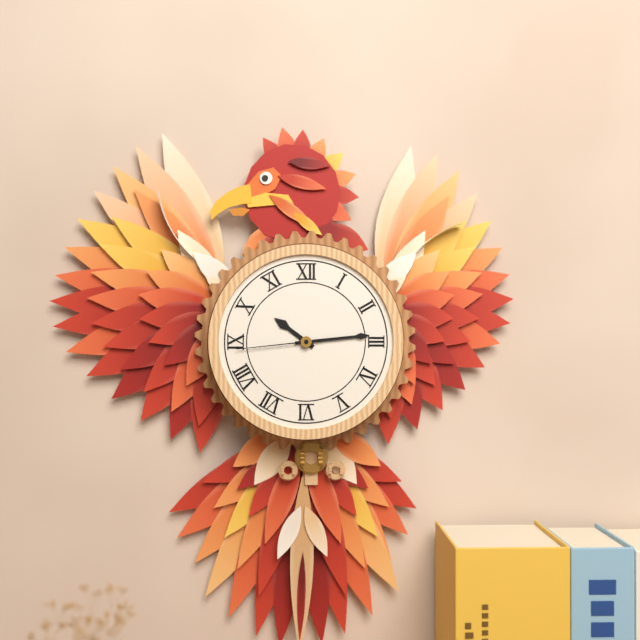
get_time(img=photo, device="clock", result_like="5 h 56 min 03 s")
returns 10 h 14 min 44 s
